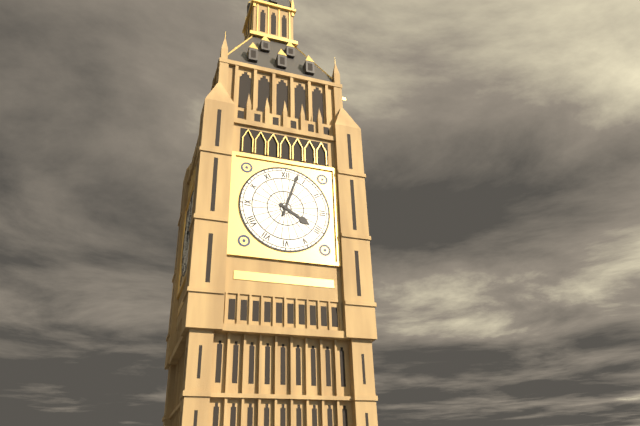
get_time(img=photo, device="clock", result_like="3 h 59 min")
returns 4 h 03 min
